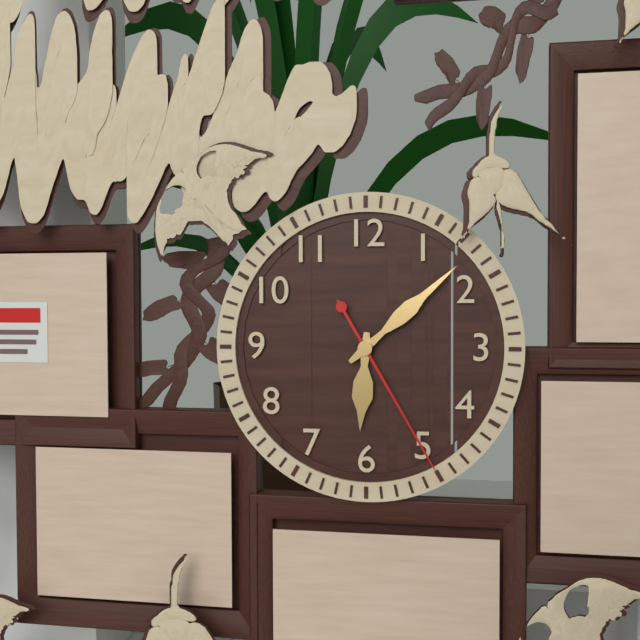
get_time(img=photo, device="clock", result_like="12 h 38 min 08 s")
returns 6 h 08 min 25 s
